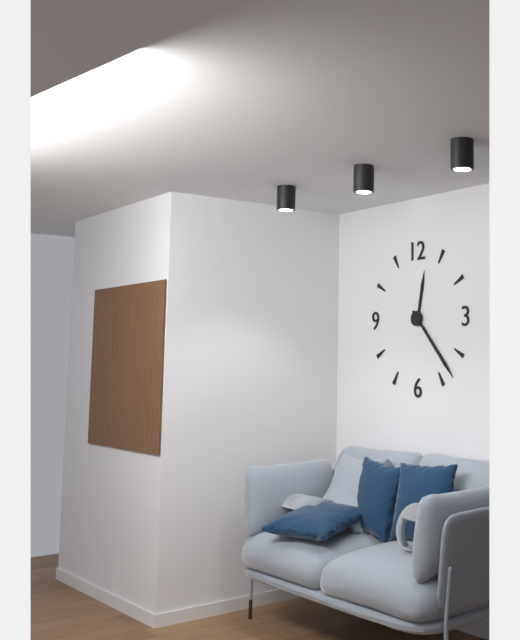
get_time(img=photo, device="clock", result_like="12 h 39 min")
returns 12 h 23 min
